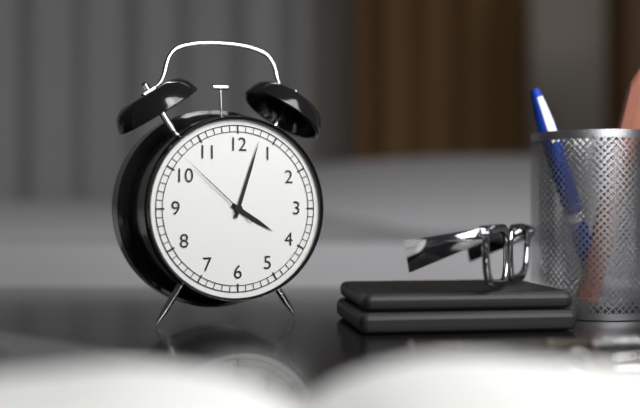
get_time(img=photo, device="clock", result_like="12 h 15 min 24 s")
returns 4 h 03 min 52 s
